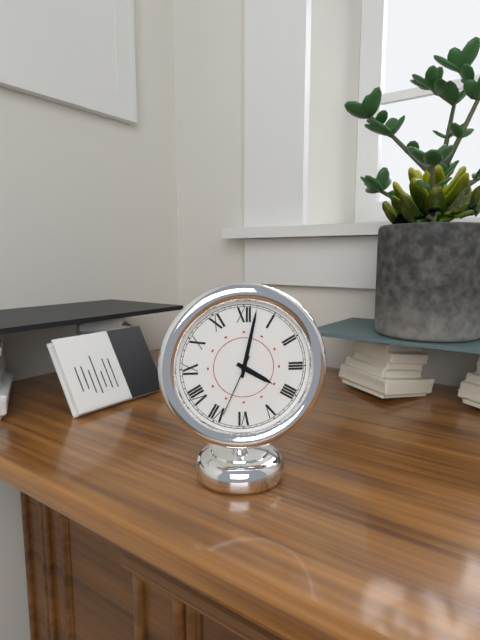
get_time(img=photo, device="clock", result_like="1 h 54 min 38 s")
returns 4 h 02 min 34 s
